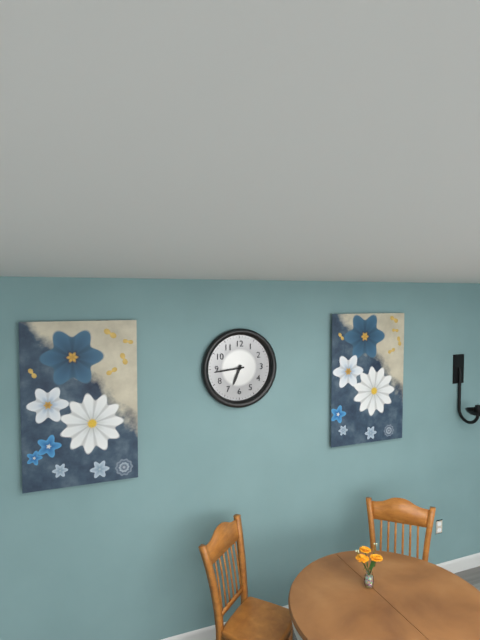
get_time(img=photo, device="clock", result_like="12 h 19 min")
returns 6 h 44 min
